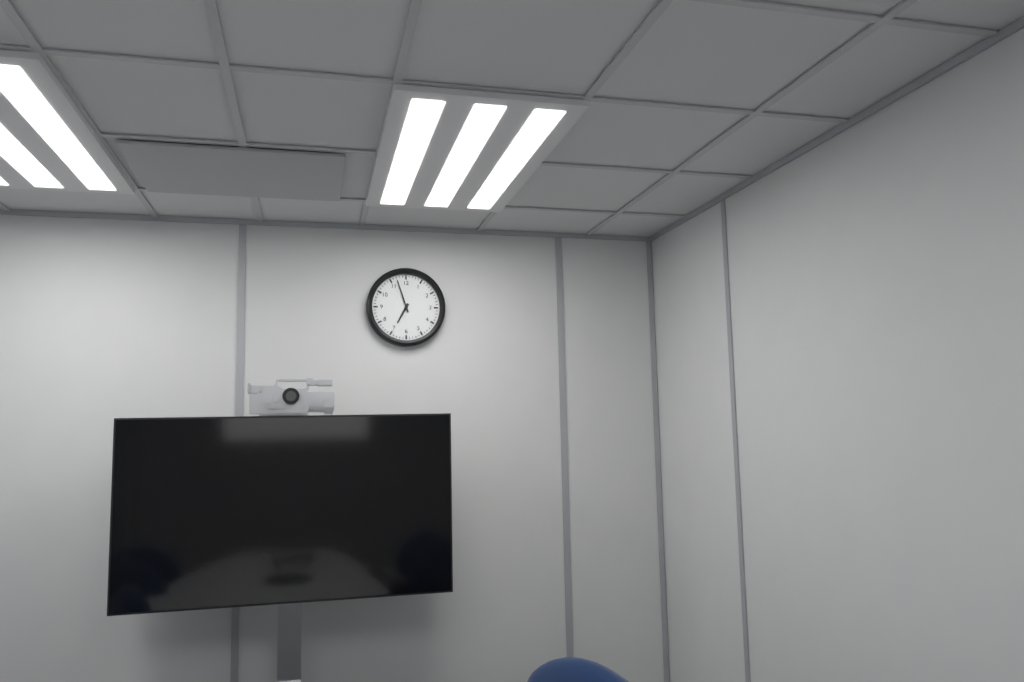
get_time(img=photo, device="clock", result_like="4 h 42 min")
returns 6 h 57 min
